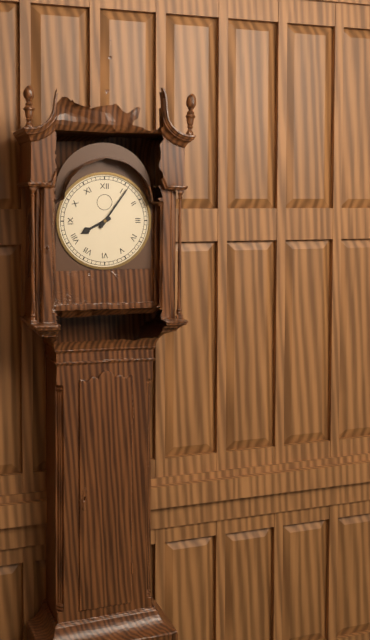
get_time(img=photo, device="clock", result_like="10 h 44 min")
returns 8 h 06 min
